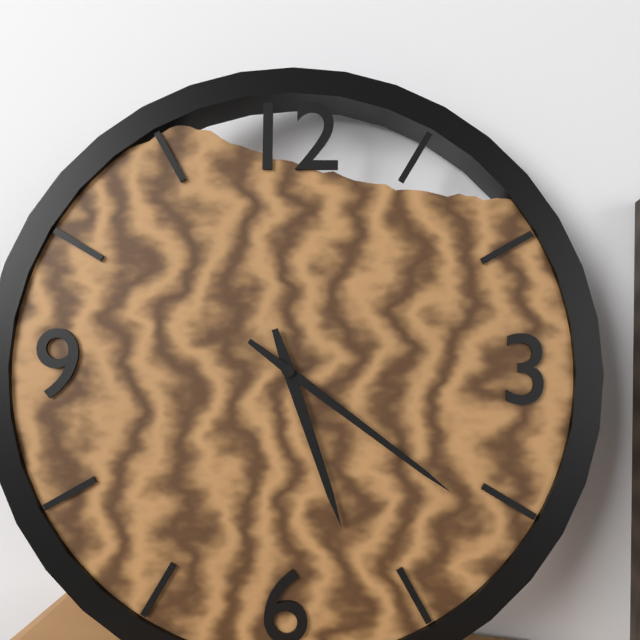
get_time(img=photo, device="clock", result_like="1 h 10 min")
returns 5 h 21 min
